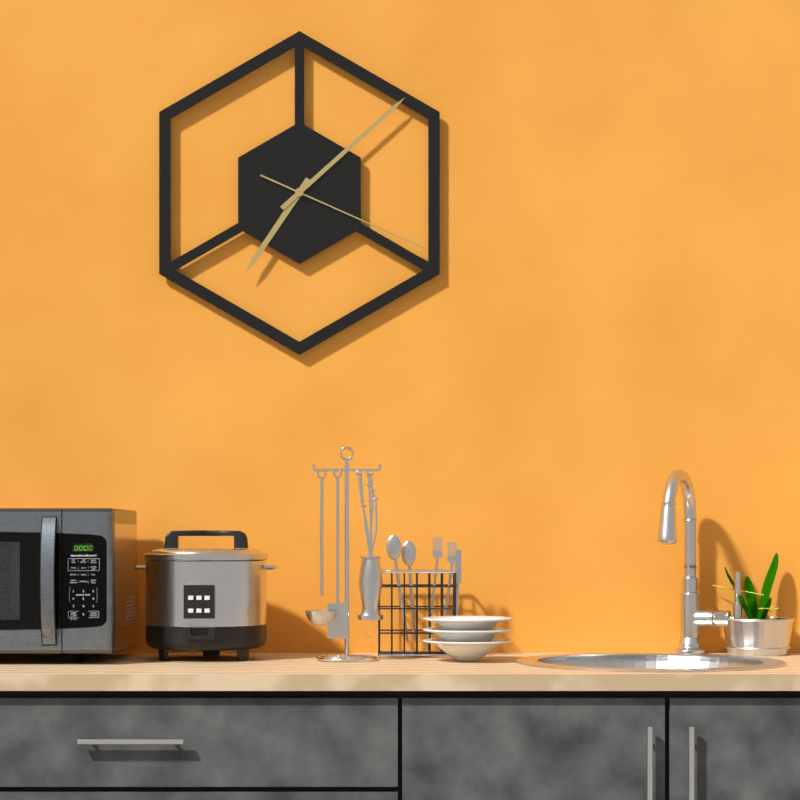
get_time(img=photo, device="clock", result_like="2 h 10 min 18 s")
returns 7 h 08 min 19 s
